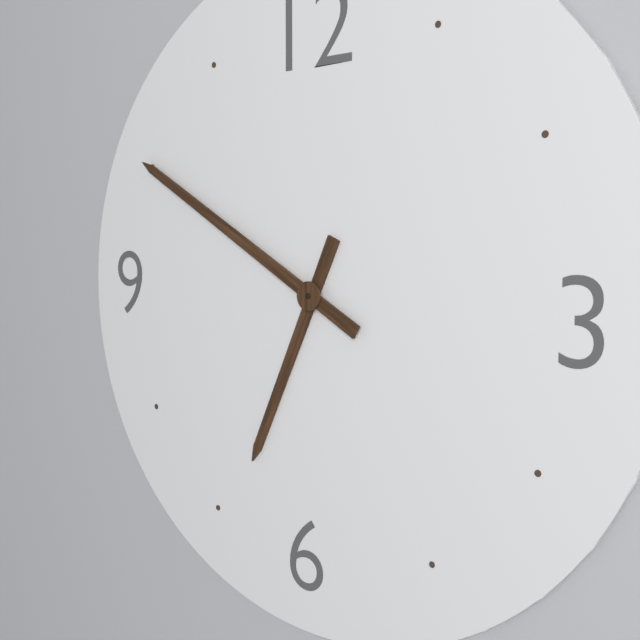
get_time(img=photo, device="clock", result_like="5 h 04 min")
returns 6 h 50 min
